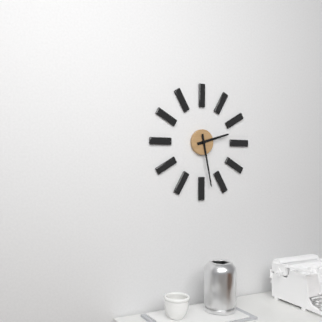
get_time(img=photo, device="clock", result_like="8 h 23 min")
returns 2 h 28 min
